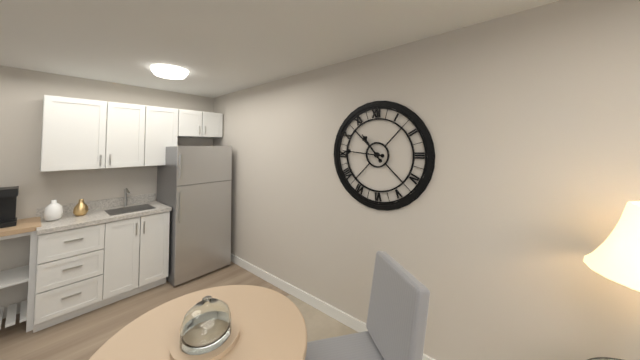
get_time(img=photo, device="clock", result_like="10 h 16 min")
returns 10 h 46 min
